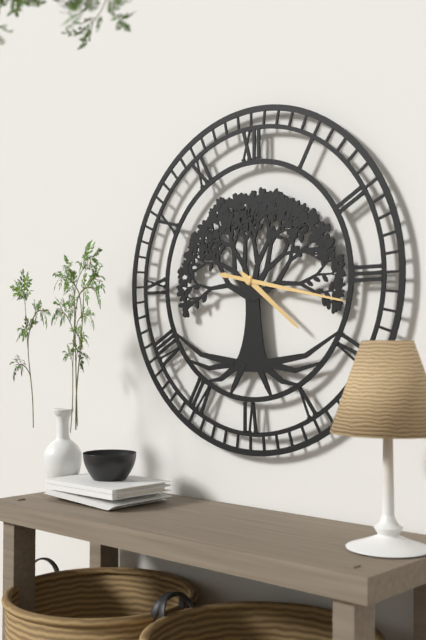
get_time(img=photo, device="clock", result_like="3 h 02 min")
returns 4 h 17 min
